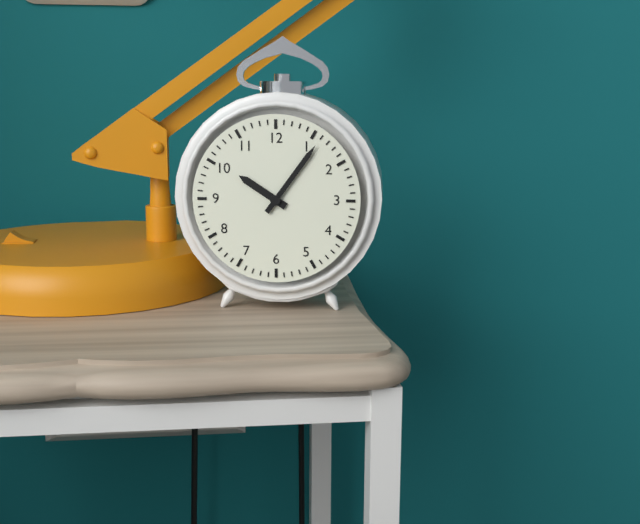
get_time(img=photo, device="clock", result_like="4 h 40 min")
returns 10 h 06 min
